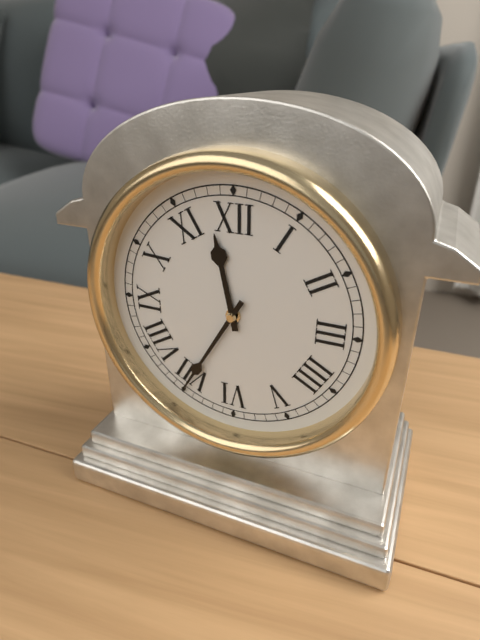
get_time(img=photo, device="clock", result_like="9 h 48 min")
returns 11 h 35 min
